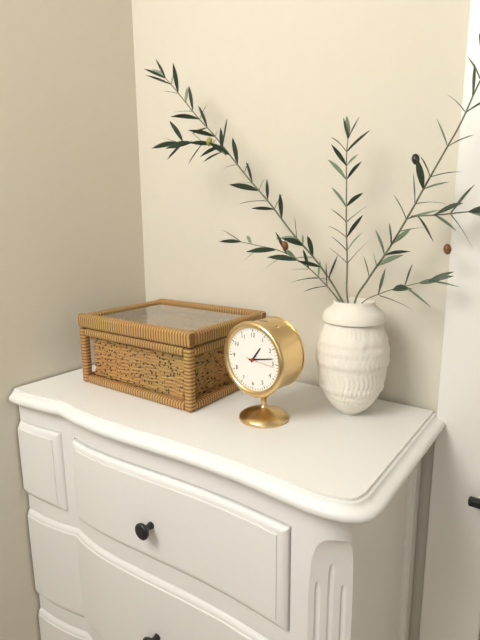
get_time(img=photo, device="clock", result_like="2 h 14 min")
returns 1 h 13 min
